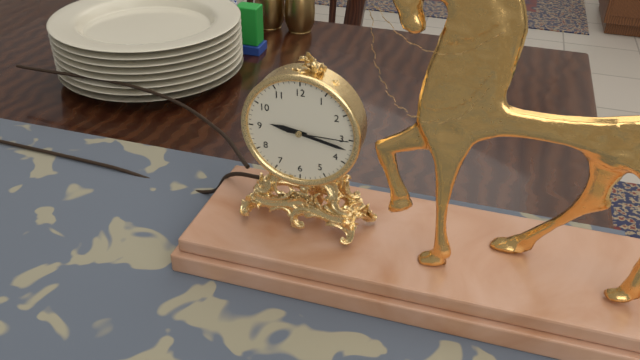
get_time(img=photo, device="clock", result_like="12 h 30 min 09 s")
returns 9 h 17 min 15 s
